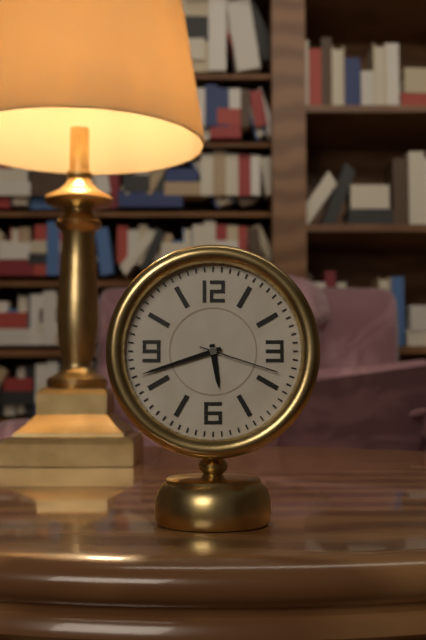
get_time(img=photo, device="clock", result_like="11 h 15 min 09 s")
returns 5 h 42 min 18 s
